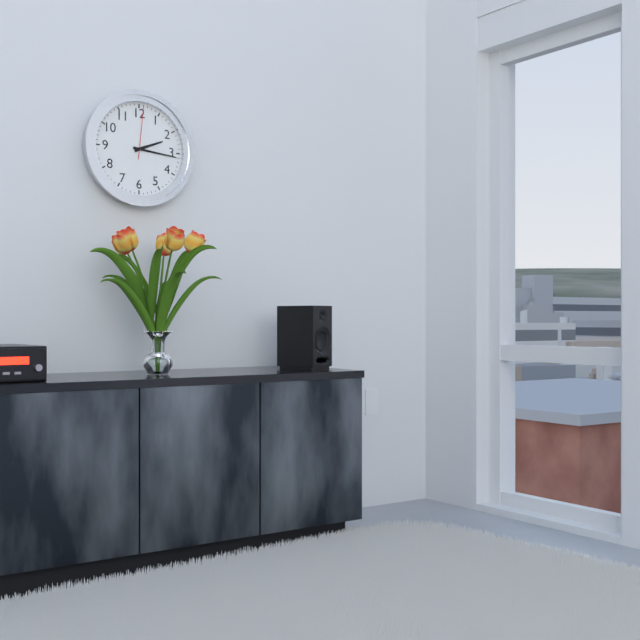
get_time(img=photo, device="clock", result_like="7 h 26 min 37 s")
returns 2 h 16 min 01 s
